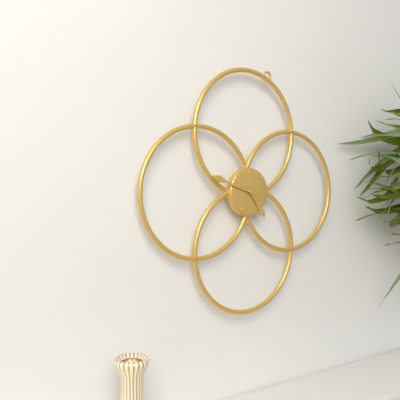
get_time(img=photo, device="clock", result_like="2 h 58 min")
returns 4 h 48 min
